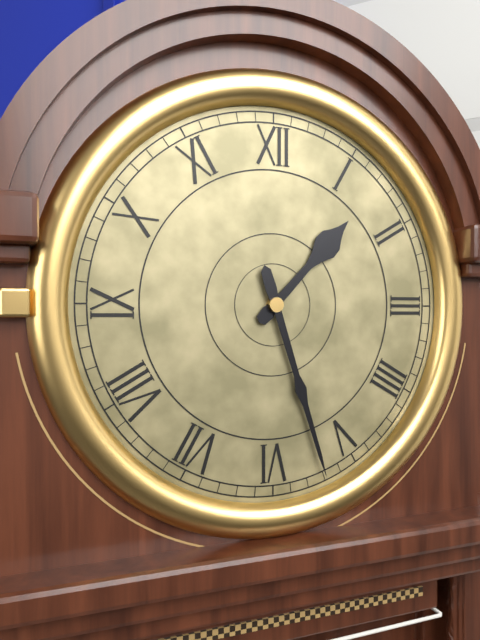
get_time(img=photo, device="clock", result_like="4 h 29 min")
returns 1 h 27 min
